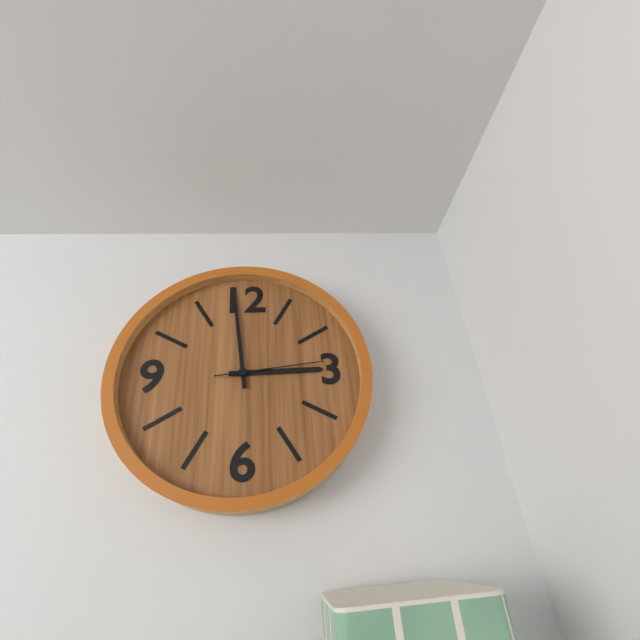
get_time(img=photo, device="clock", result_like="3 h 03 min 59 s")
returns 2 h 59 min 14 s
